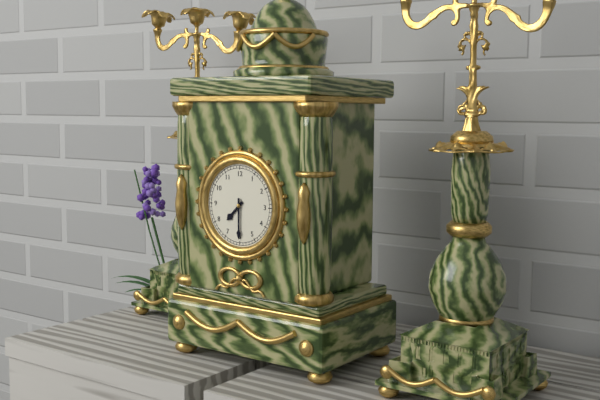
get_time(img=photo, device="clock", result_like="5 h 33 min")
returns 7 h 30 min
